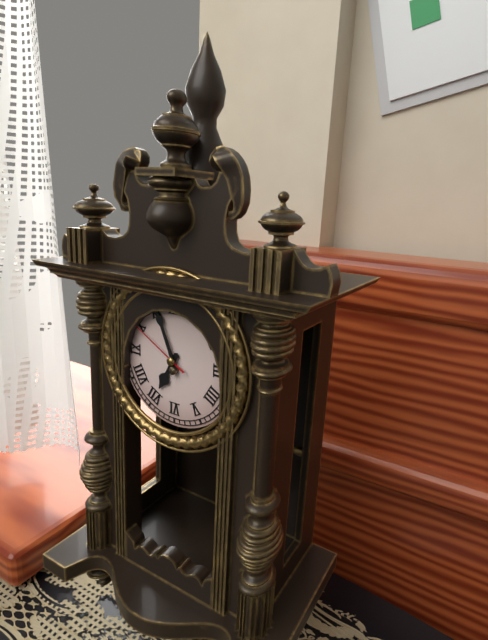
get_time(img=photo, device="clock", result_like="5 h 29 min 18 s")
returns 6 h 56 min 50 s
